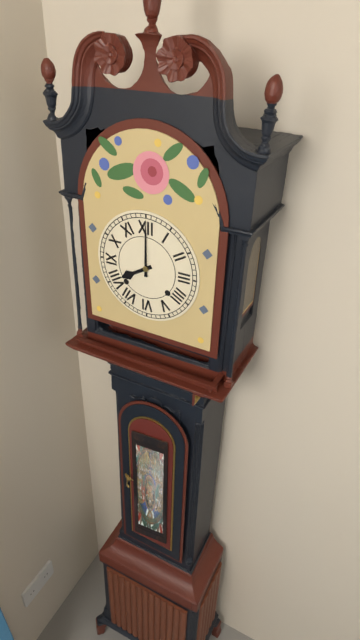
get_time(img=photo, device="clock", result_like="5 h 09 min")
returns 8 h 00 min
